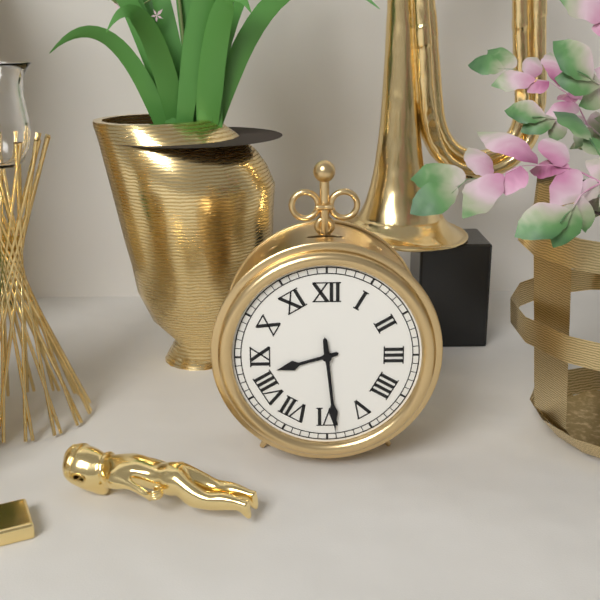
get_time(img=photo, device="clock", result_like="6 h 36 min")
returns 8 h 29 min
